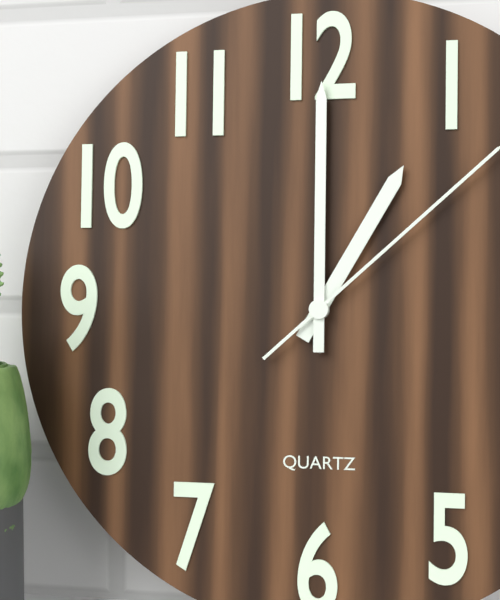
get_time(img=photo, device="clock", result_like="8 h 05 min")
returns 1 h 00 min
